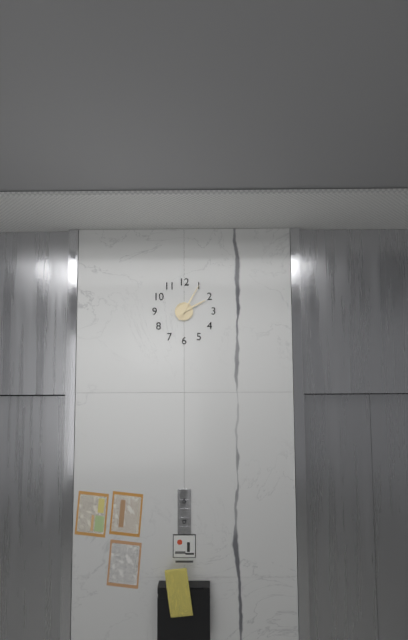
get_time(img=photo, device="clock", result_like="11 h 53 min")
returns 2 h 05 min
